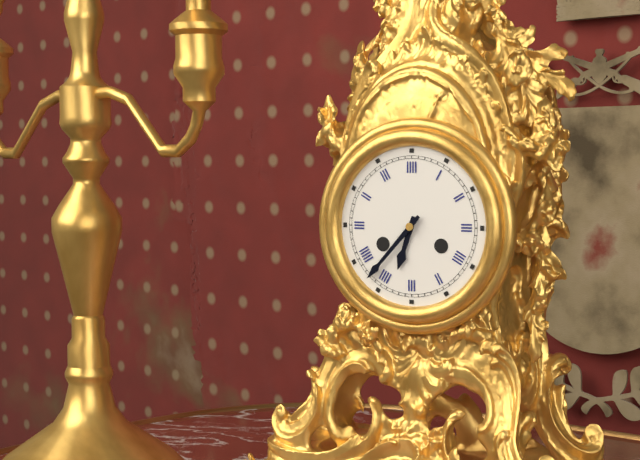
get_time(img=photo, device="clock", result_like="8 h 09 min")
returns 6 h 37 min
